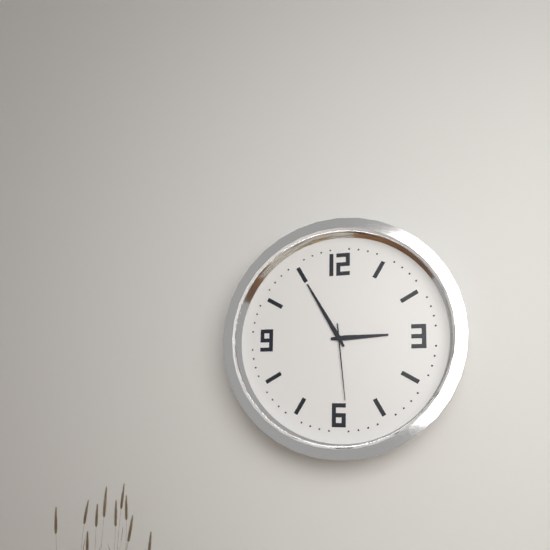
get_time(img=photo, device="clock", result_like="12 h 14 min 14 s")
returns 2 h 55 min 29 s
